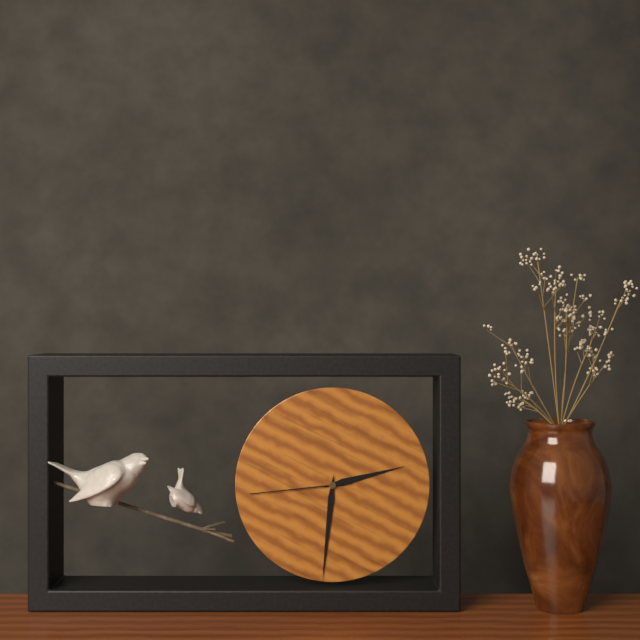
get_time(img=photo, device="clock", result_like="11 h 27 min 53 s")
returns 2 h 31 min 44 s
